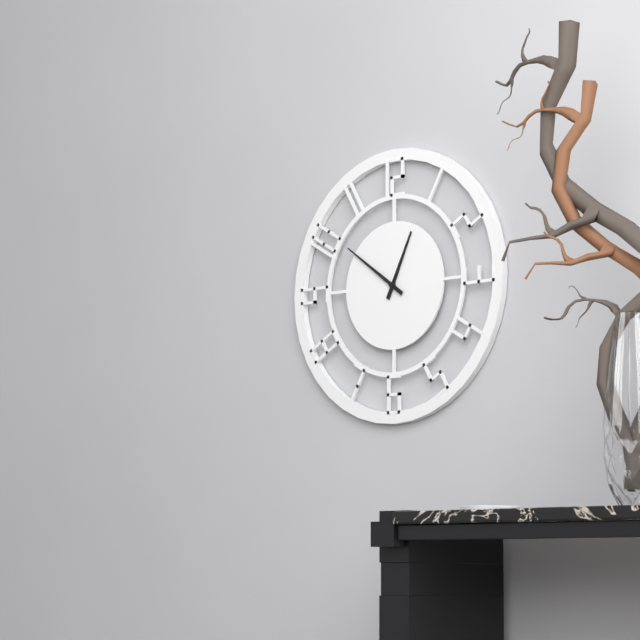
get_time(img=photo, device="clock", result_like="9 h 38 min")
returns 12 h 51 min
